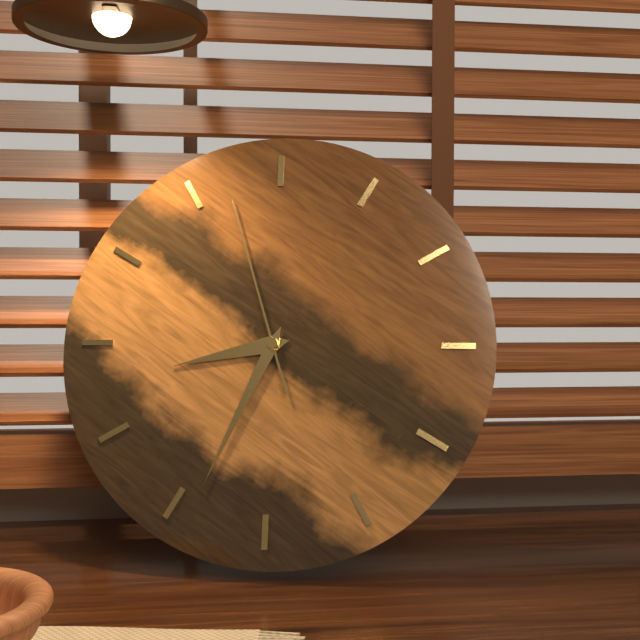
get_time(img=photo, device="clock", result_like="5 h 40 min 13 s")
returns 8 h 34 min 57 s
